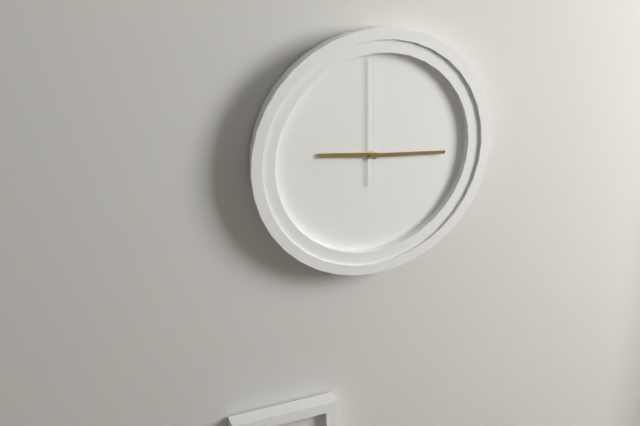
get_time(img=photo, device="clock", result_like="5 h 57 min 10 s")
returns 9 h 16 min 00 s
